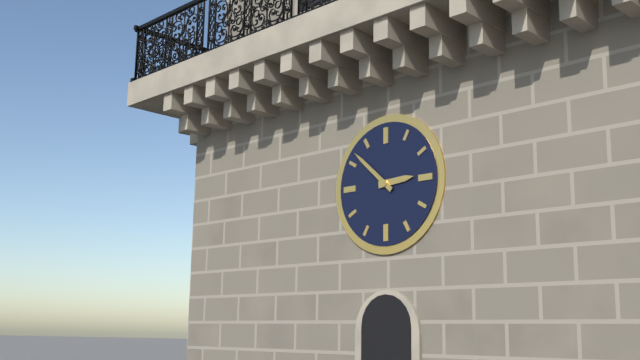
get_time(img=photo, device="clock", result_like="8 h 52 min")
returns 2 h 52 min
